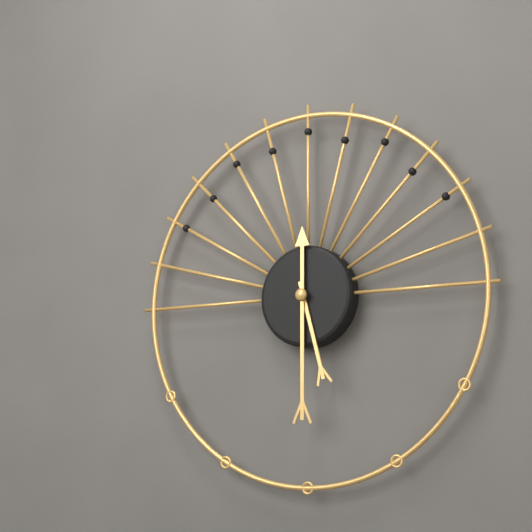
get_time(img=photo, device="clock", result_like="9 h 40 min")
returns 5 h 30 min
